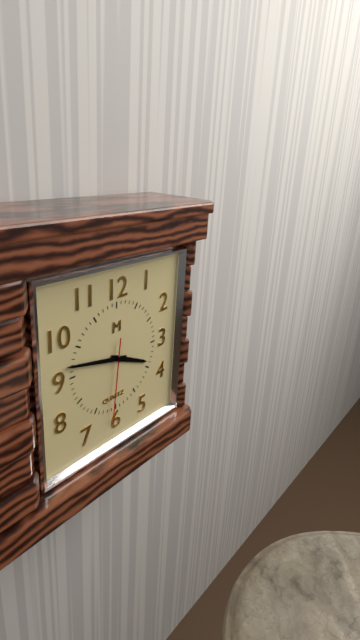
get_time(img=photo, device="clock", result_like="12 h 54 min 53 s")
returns 3 h 47 min 31 s
